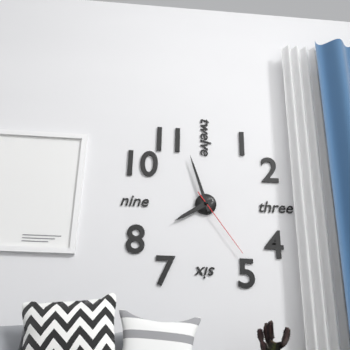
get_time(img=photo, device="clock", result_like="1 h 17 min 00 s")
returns 7 h 57 min 24 s
